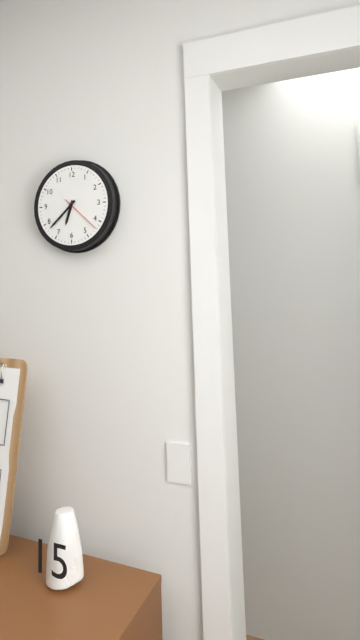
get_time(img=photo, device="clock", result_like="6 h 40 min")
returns 6 h 38 min
